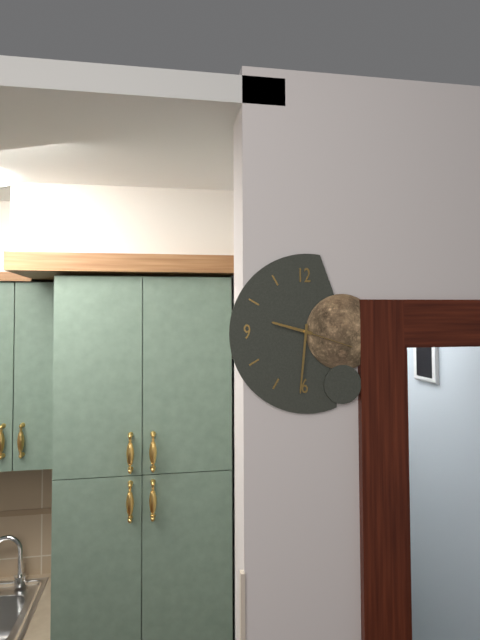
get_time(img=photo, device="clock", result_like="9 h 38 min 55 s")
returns 9 h 31 min 18 s
